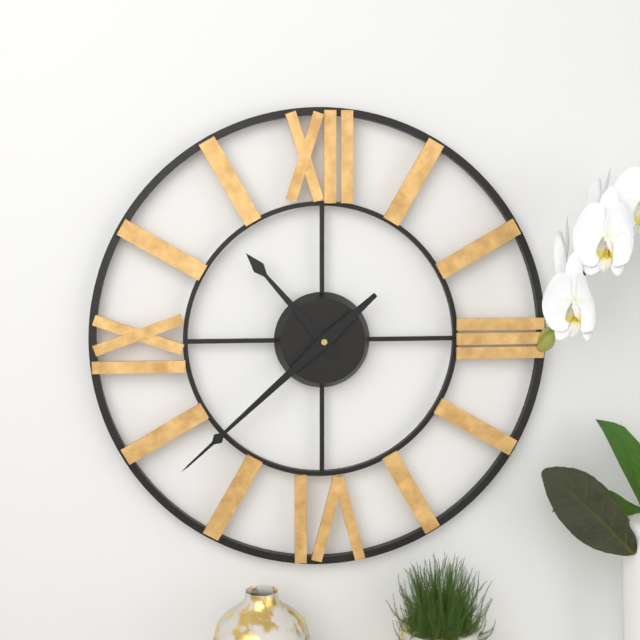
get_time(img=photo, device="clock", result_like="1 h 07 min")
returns 10 h 38 min
